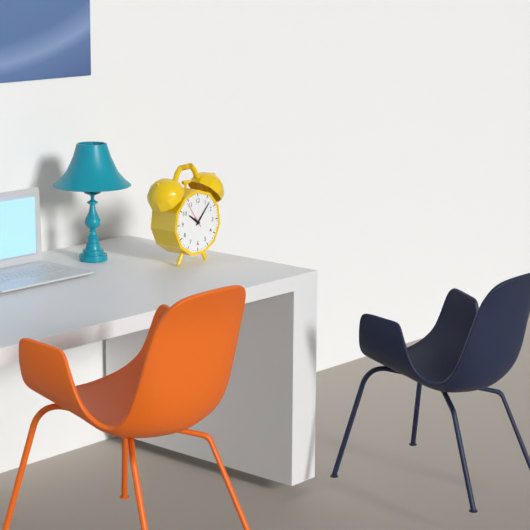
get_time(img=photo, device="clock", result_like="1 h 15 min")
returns 10 h 07 min
